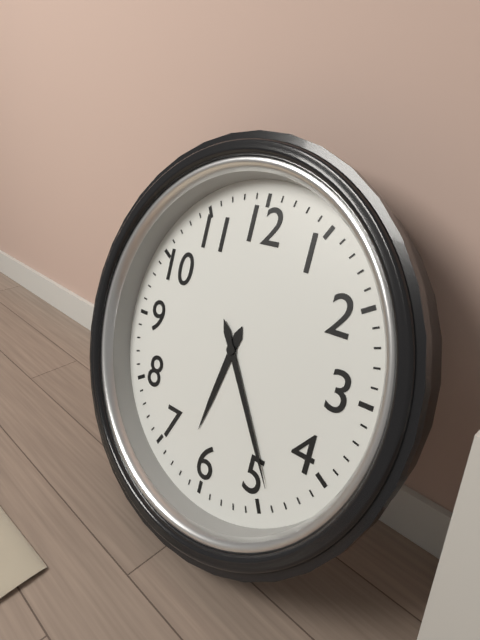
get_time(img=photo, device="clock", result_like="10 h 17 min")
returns 6 h 24 min
